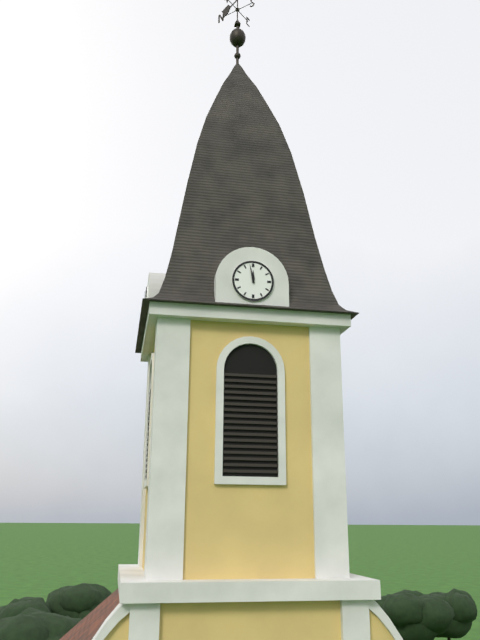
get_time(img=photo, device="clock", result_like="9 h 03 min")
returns 11 h 58 min
